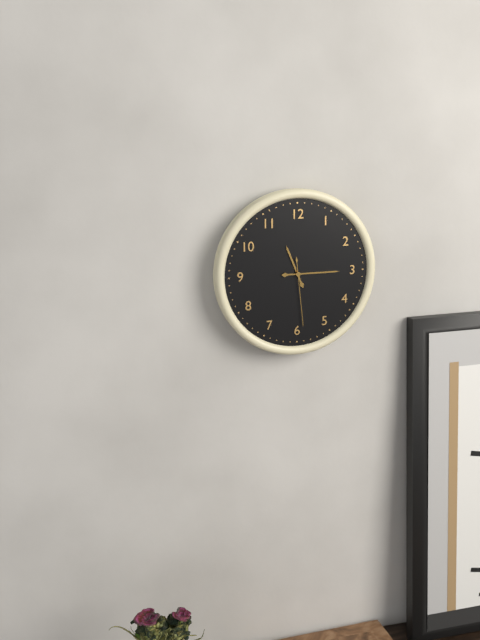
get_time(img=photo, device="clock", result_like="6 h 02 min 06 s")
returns 11 h 15 min 29 s
